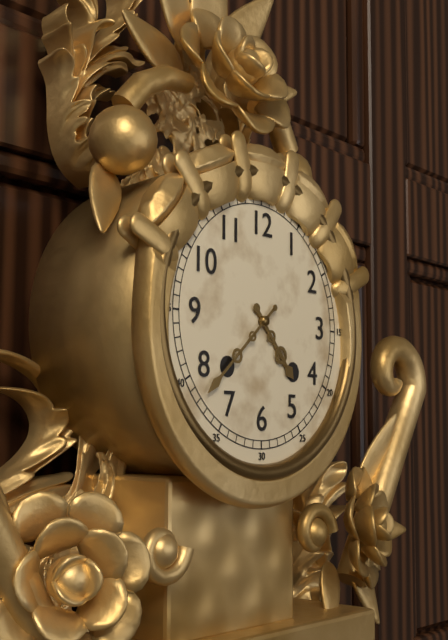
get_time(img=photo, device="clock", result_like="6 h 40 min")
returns 4 h 38 min
